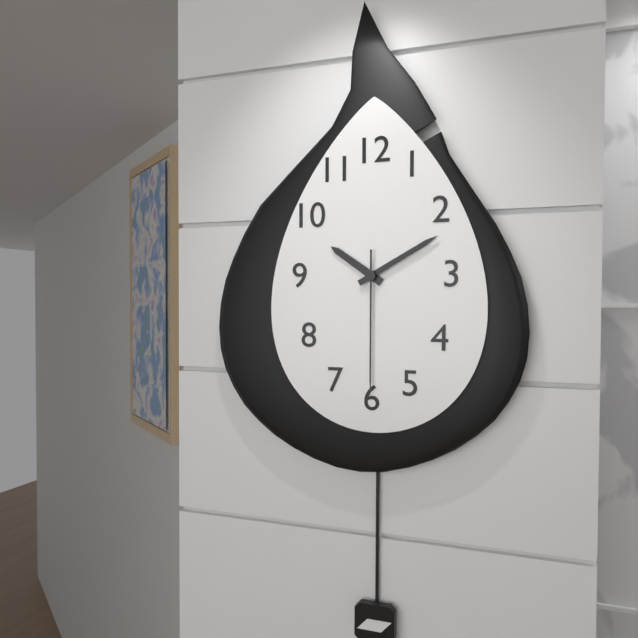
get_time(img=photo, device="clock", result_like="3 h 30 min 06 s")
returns 10 h 10 min 30 s
